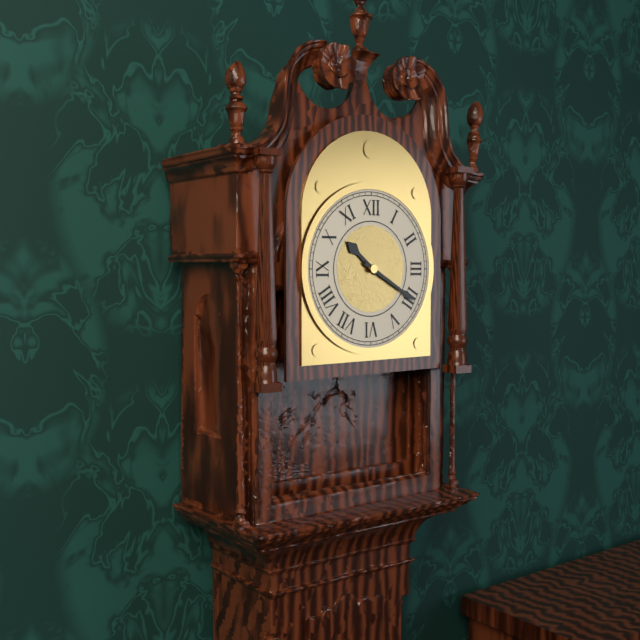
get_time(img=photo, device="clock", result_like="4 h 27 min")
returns 10 h 20 min
